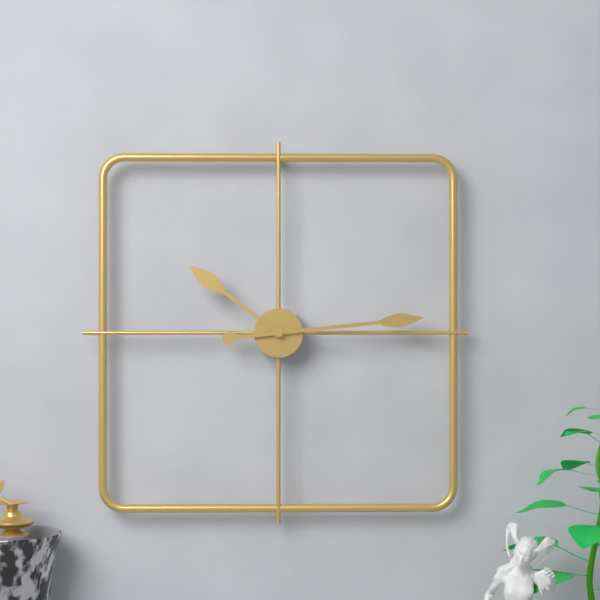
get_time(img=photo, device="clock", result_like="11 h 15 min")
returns 10 h 14 min
